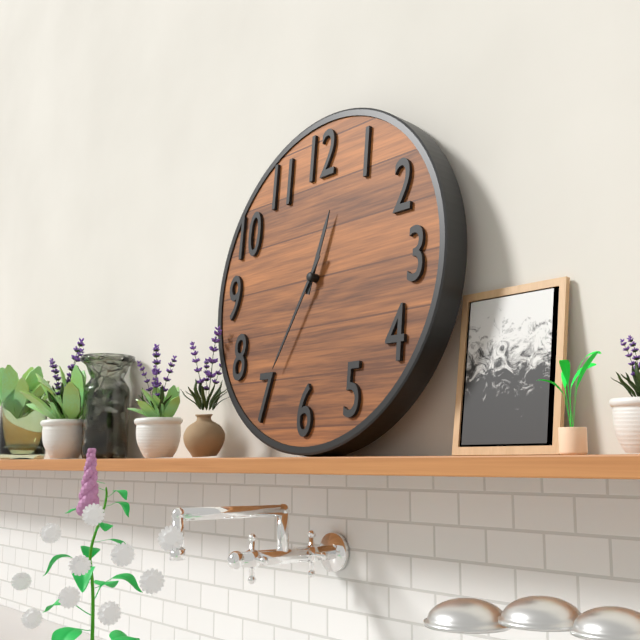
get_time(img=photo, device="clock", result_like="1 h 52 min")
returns 12 h 35 min
